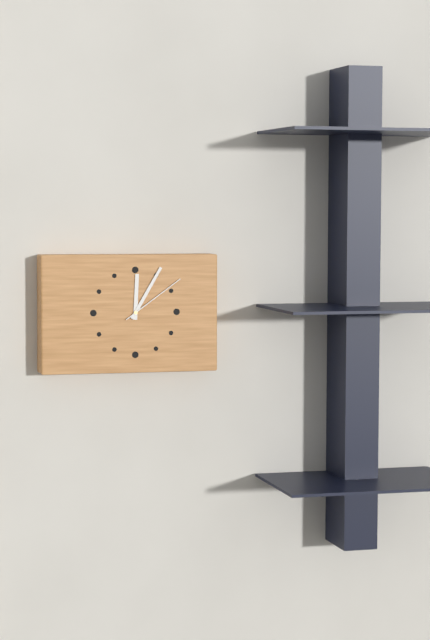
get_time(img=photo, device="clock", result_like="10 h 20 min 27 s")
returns 12 h 05 min 09 s
